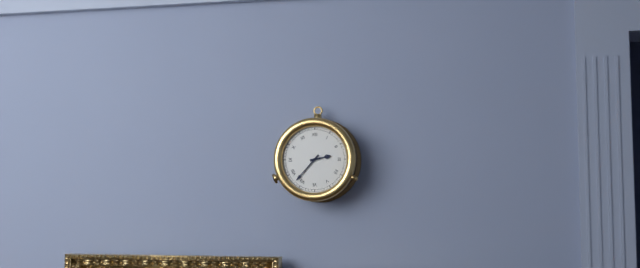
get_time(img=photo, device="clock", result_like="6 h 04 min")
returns 2 h 37 min
